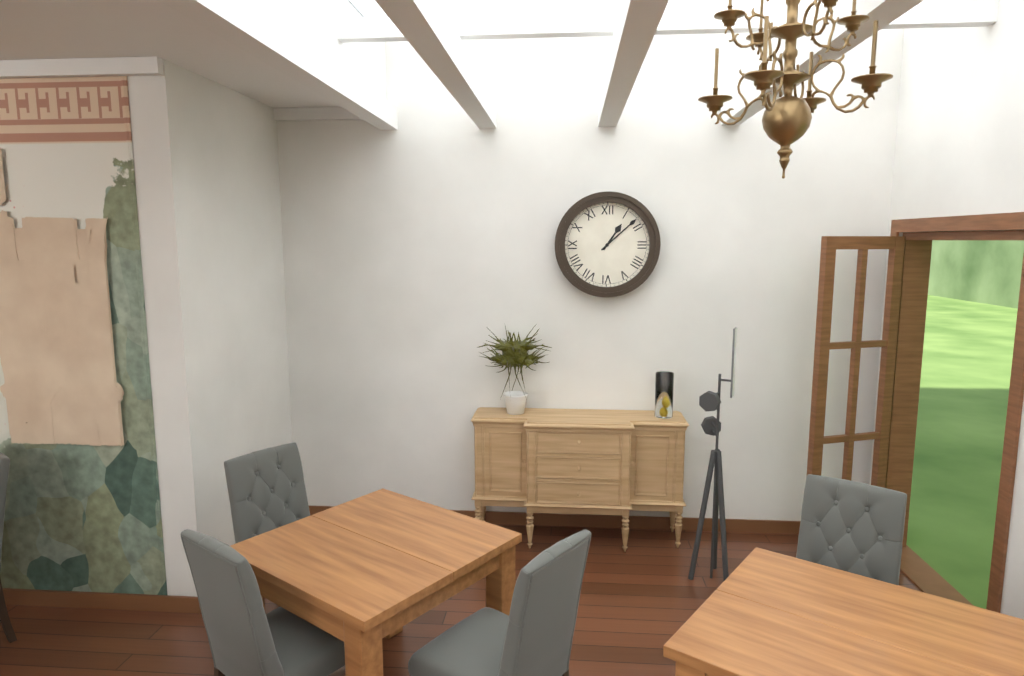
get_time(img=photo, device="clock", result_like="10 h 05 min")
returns 1 h 08 min
